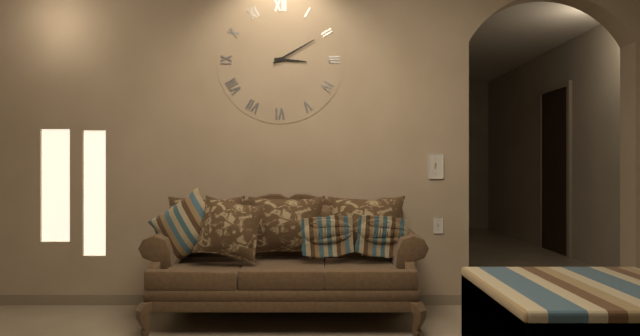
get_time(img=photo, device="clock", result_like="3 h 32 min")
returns 3 h 10 min
